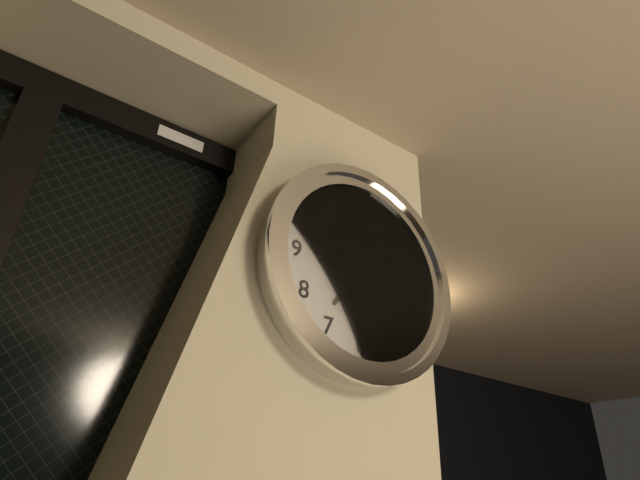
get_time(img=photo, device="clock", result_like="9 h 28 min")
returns 7 h 15 min
